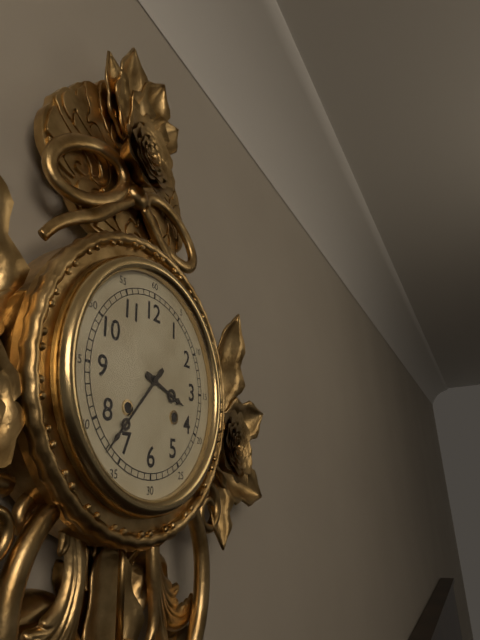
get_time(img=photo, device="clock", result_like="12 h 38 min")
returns 3 h 37 min
